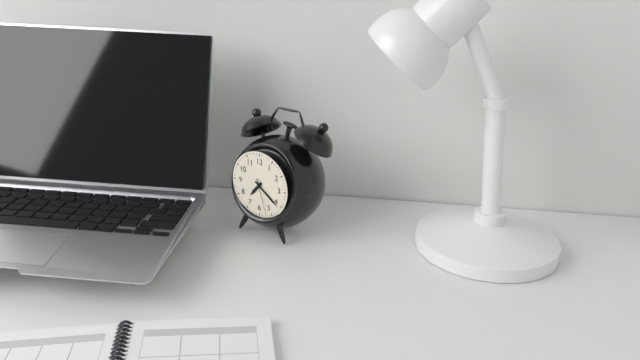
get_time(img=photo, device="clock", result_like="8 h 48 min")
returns 7 h 21 min
